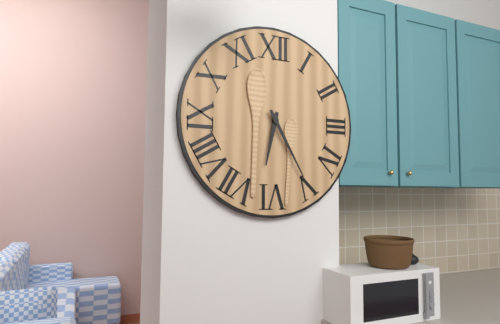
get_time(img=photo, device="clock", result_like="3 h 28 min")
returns 6 h 25 min
